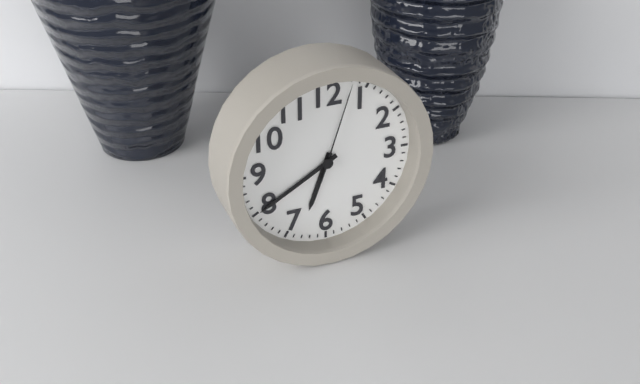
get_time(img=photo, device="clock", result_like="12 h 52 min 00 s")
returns 6 h 40 min 03 s
